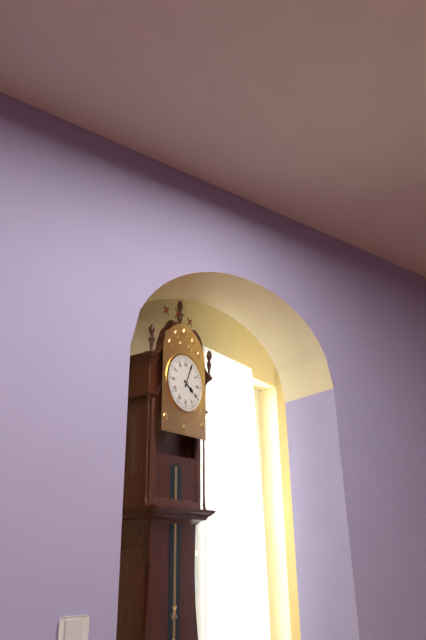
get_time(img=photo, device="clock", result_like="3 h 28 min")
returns 4 h 04 min
